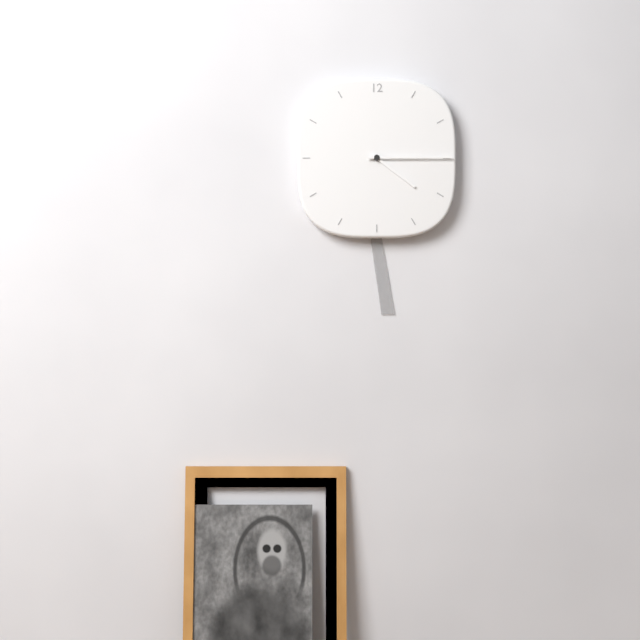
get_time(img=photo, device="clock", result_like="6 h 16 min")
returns 4 h 15 min
